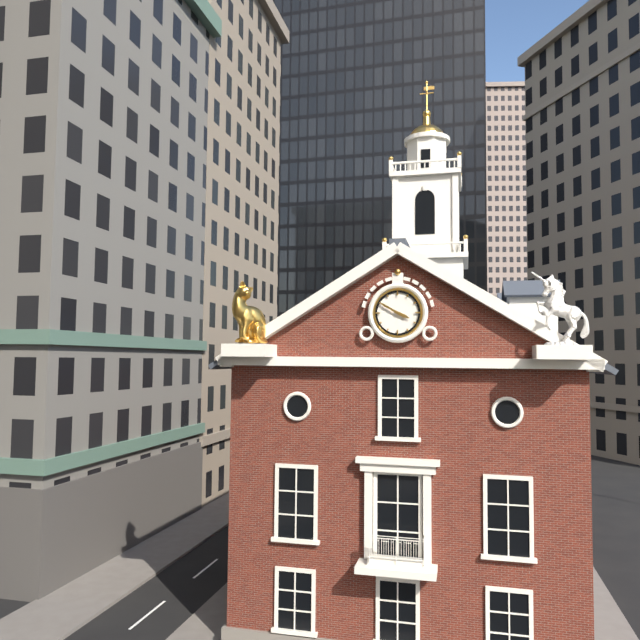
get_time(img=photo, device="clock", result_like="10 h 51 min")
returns 3 h 50 min
